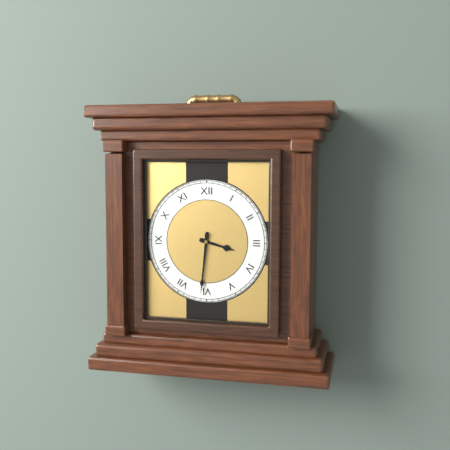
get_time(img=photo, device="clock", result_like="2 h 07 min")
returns 3 h 31 min
